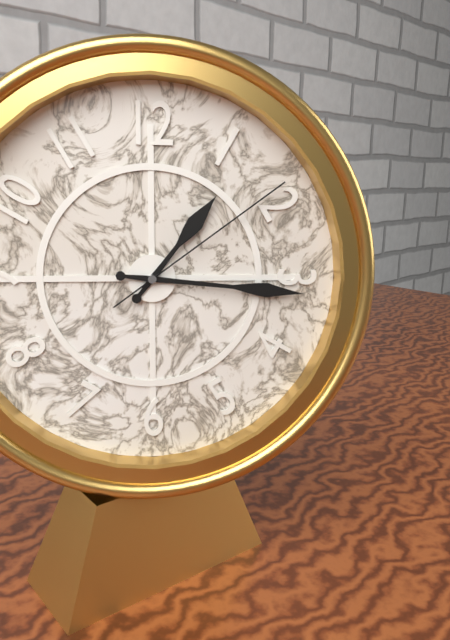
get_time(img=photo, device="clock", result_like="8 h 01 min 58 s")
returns 1 h 16 min 09 s
